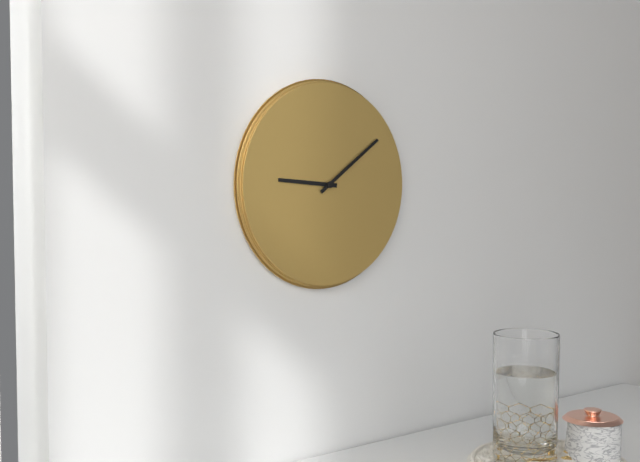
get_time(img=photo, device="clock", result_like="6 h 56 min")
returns 9 h 09 min
